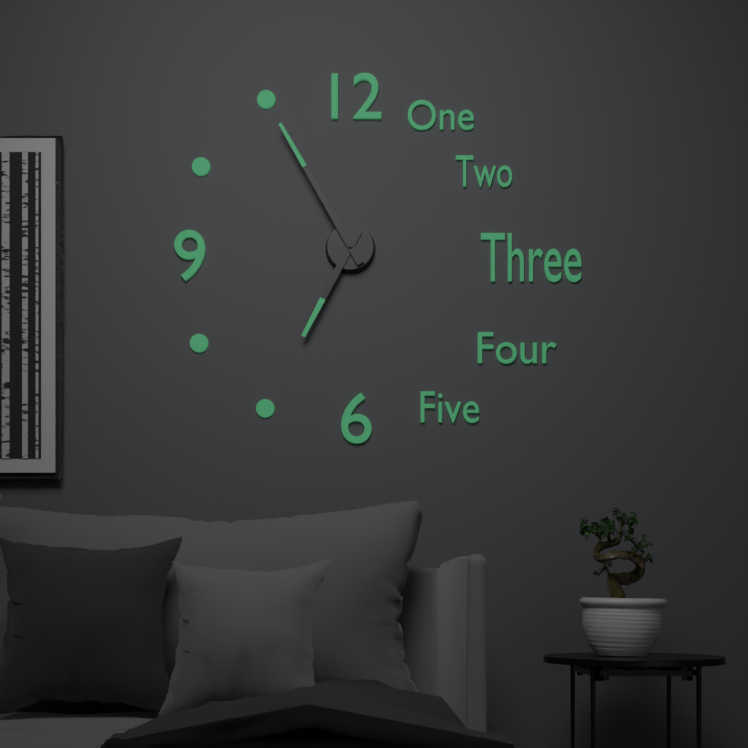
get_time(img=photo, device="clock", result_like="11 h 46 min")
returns 6 h 55 min
